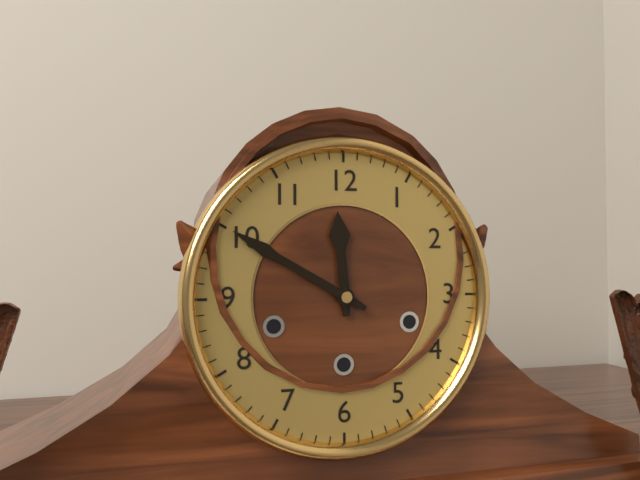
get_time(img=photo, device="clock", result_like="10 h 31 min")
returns 11 h 50 min
